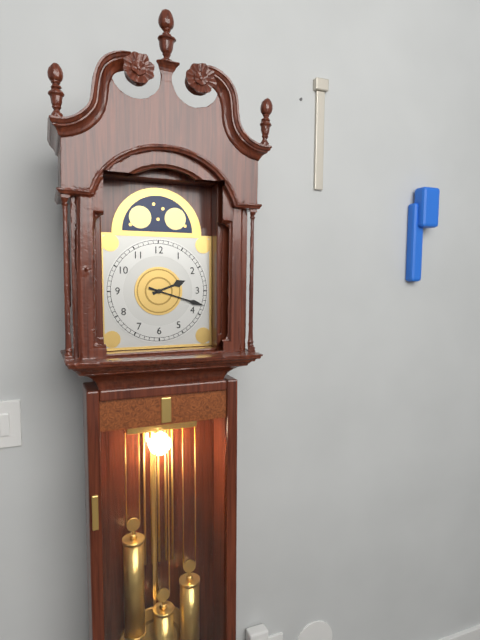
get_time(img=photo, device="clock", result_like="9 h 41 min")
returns 2 h 18 min
